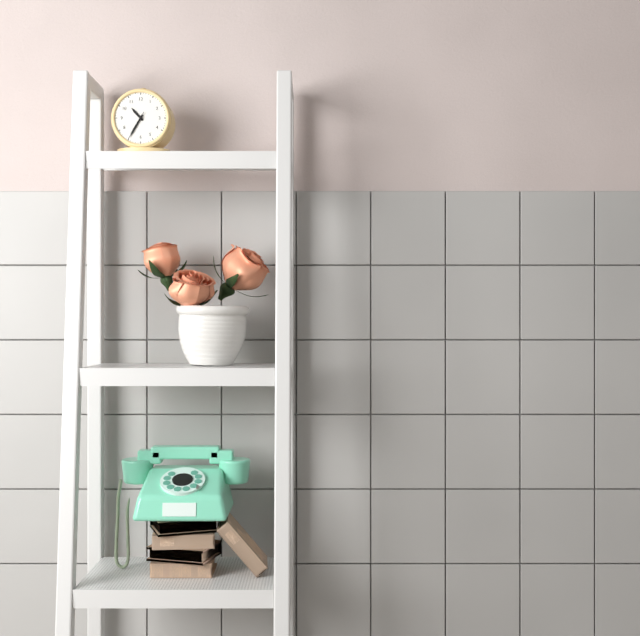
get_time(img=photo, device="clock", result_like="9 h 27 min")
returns 10 h 35 min
